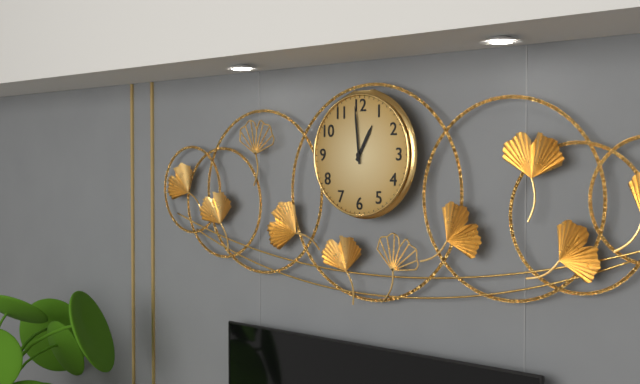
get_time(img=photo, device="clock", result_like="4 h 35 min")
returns 12 h 59 min
